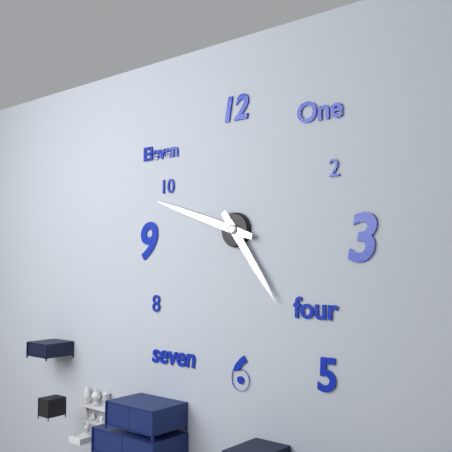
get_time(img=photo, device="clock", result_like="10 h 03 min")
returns 4 h 48 min
